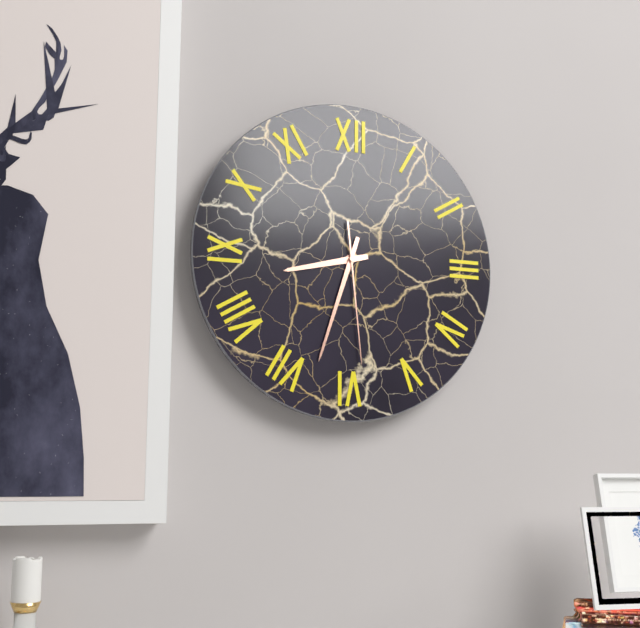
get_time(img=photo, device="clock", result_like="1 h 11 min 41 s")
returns 8 h 33 min 29 s
